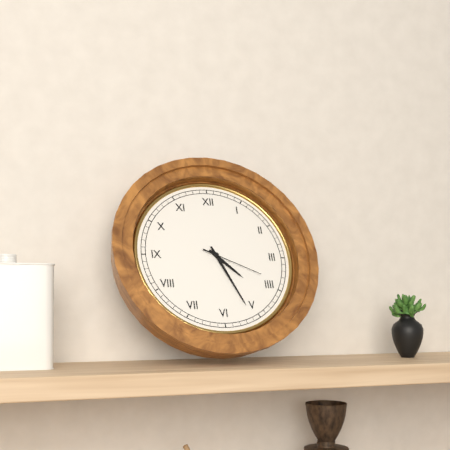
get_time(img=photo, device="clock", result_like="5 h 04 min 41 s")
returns 4 h 26 min 19 s
